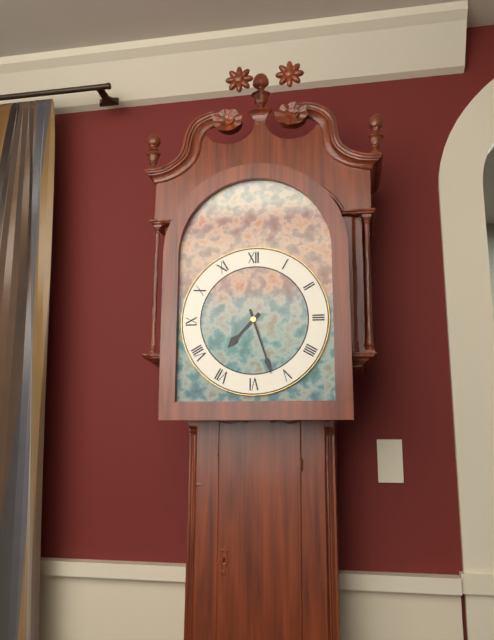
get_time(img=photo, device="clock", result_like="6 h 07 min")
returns 7 h 27 min
